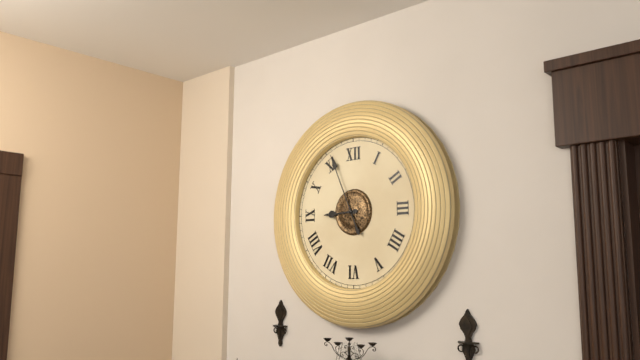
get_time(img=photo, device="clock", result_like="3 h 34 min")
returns 8 h 56 min
